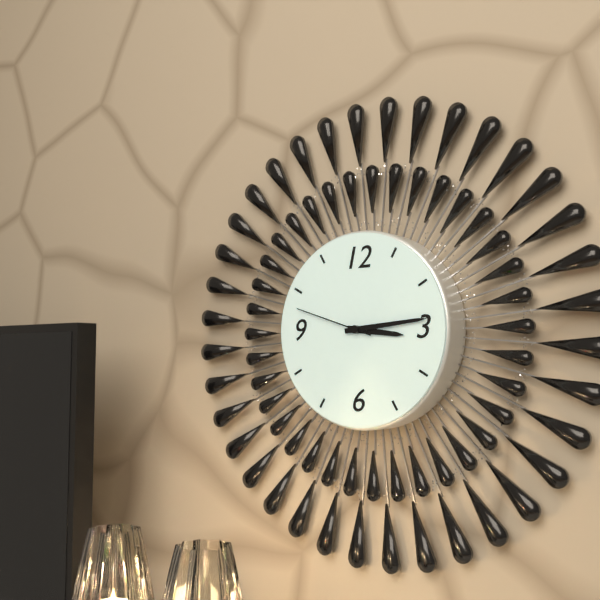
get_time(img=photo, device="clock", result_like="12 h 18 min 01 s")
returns 3 h 14 min 48 s
